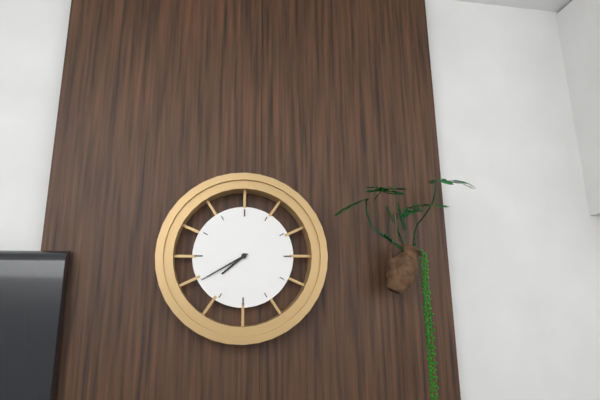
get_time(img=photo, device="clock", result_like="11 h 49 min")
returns 7 h 40 min
